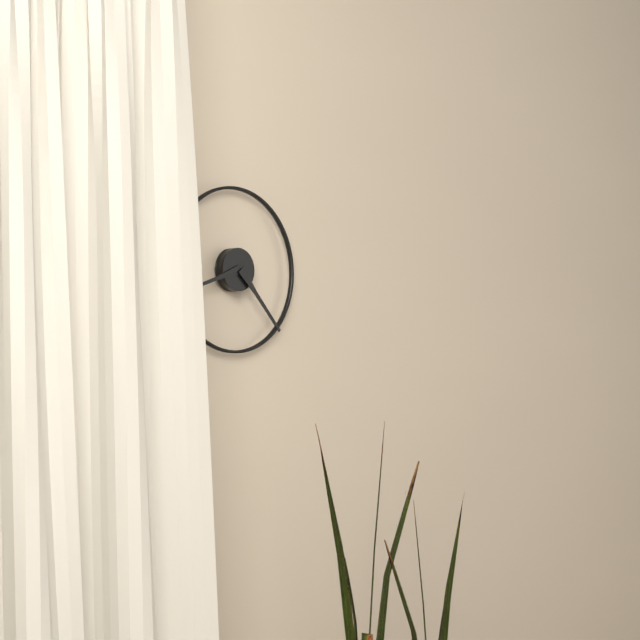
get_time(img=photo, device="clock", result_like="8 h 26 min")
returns 8 h 23 min
